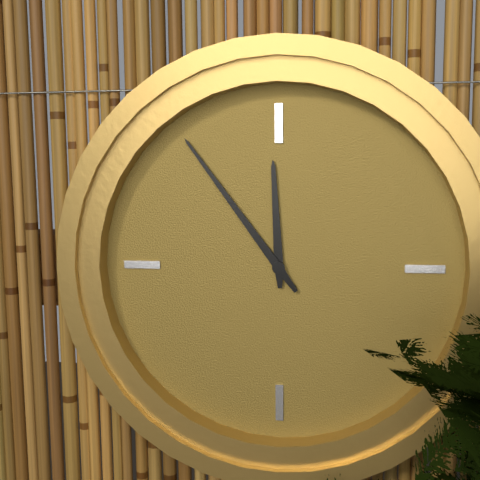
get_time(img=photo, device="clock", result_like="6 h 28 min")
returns 11 h 54 min
